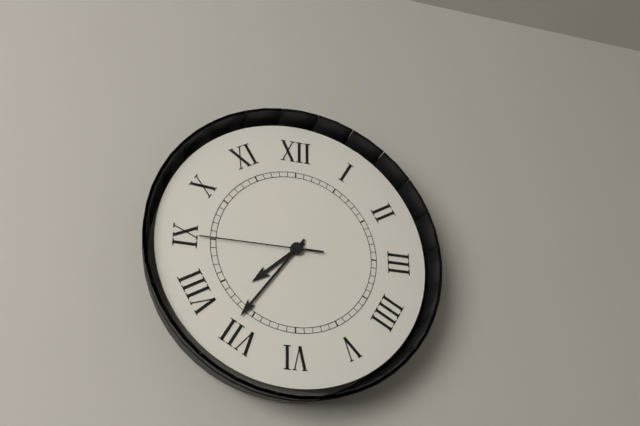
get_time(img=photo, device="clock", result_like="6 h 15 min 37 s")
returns 7 h 36 min 45 s
